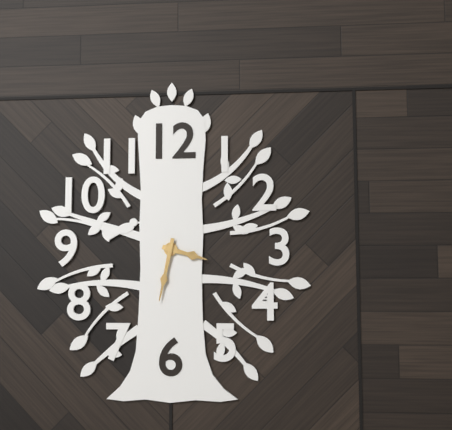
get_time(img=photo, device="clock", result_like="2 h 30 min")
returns 3 h 32 min
